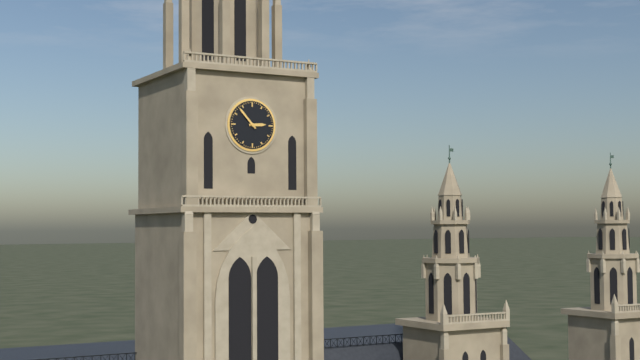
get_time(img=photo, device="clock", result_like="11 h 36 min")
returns 2 h 53 min
